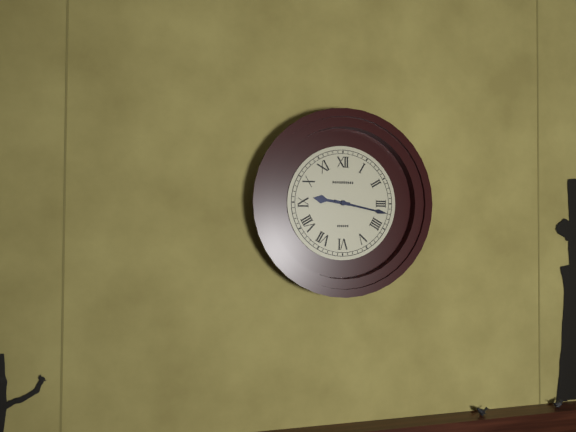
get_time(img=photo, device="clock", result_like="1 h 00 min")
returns 9 h 17 min
